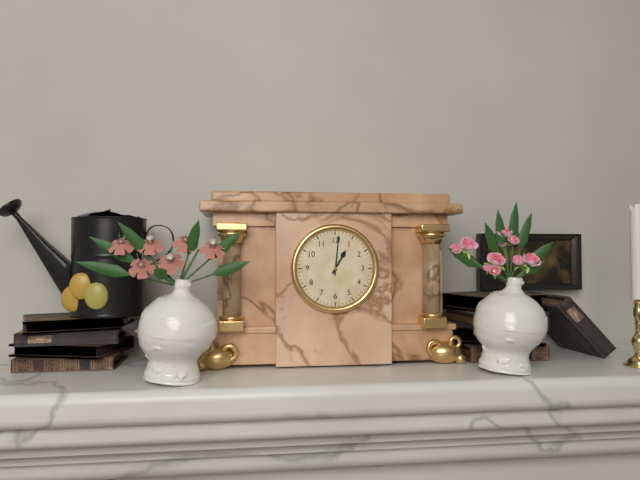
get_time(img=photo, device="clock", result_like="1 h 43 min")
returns 1 h 01 min
